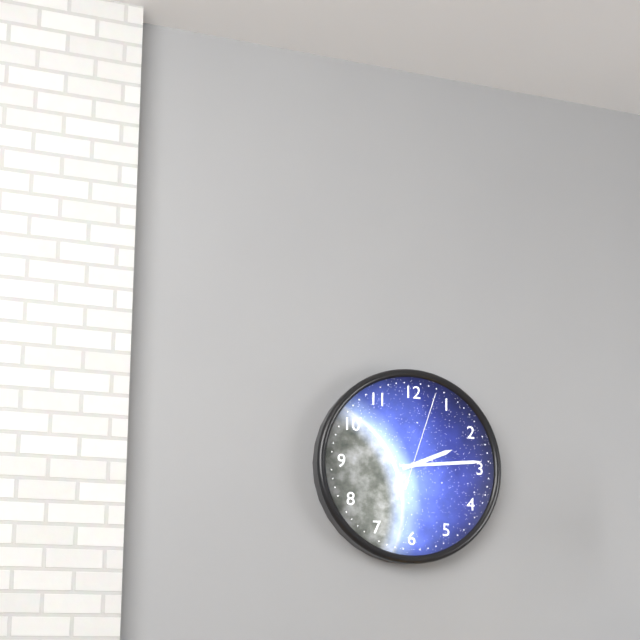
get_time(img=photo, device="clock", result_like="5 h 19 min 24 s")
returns 2 h 14 min 03 s
